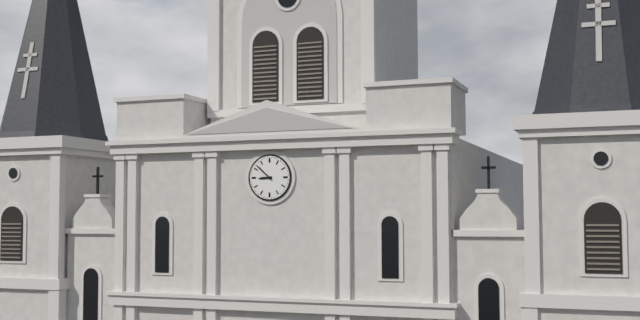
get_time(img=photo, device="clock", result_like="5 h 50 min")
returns 8 h 52 min
